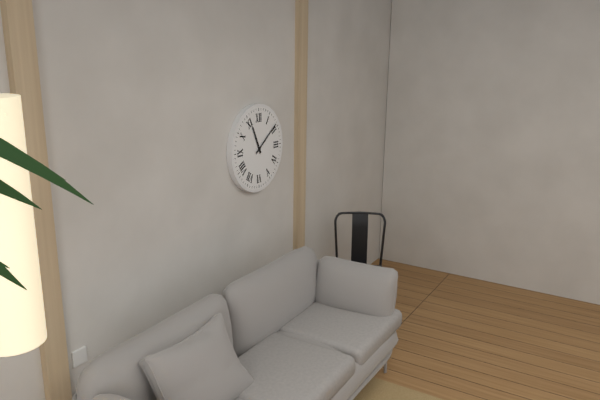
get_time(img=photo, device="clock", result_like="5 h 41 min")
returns 11 h 09 min
